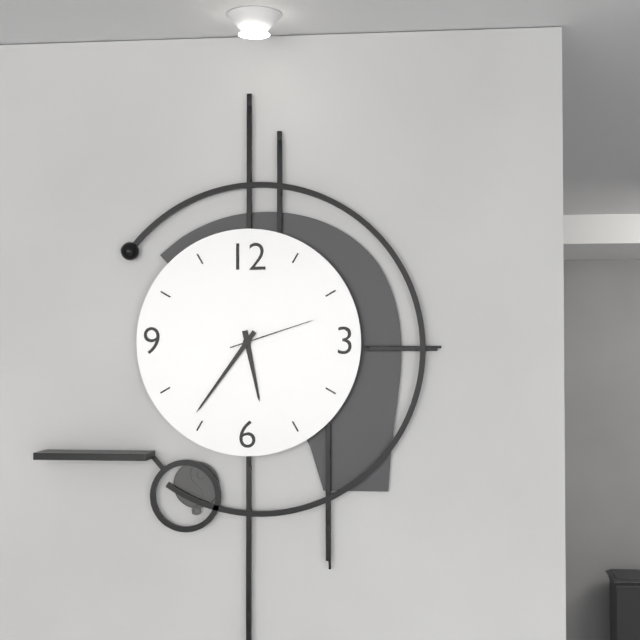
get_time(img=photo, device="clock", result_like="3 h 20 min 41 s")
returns 5 h 36 min 12 s
